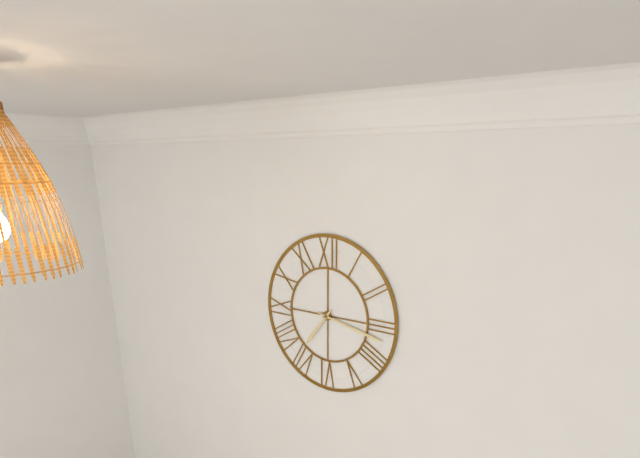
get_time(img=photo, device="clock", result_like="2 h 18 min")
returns 7 h 17 min
